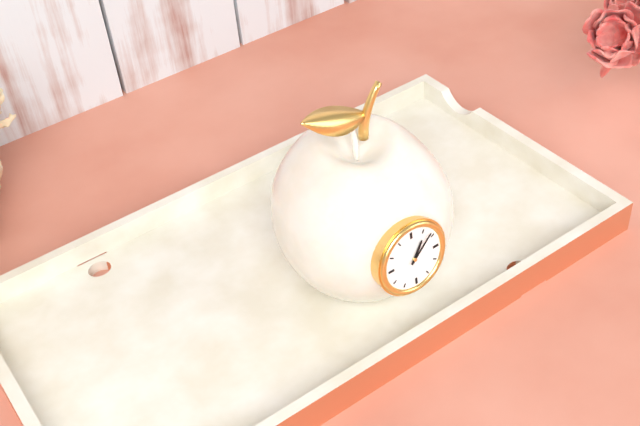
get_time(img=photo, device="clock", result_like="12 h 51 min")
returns 1 h 08 min
